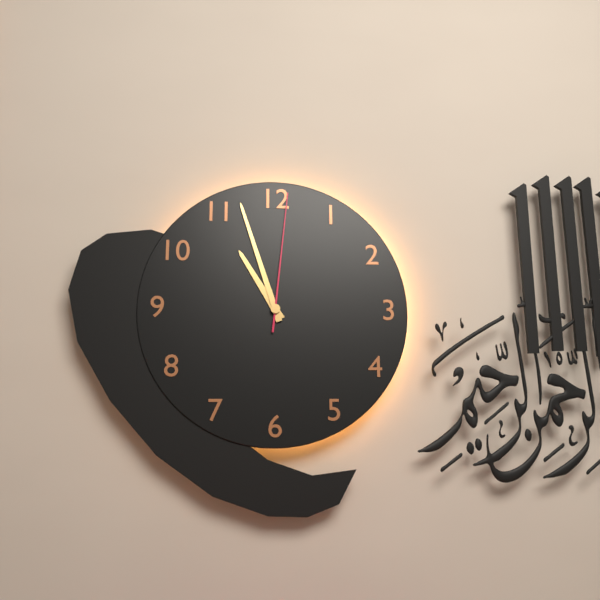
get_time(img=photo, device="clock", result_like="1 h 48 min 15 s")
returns 10 h 57 min 01 s
